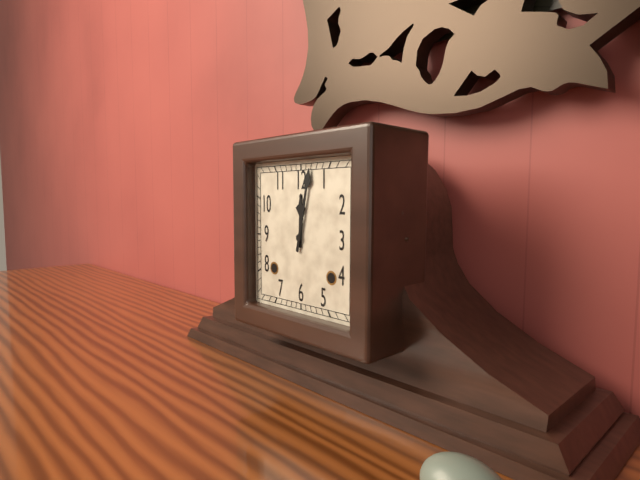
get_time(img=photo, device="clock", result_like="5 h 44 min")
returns 12 h 02 min
